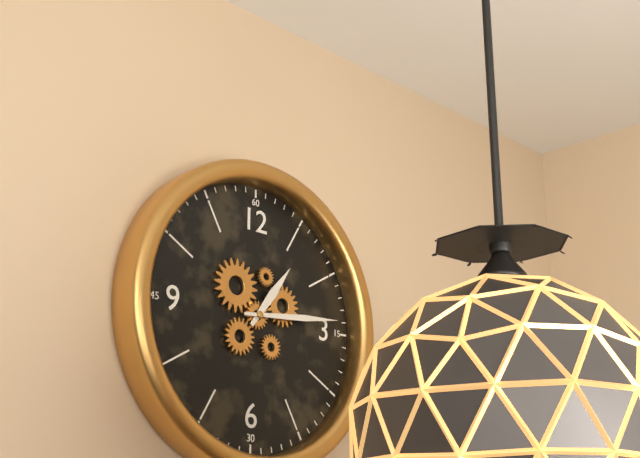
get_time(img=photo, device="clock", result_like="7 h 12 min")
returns 1 h 14 min
